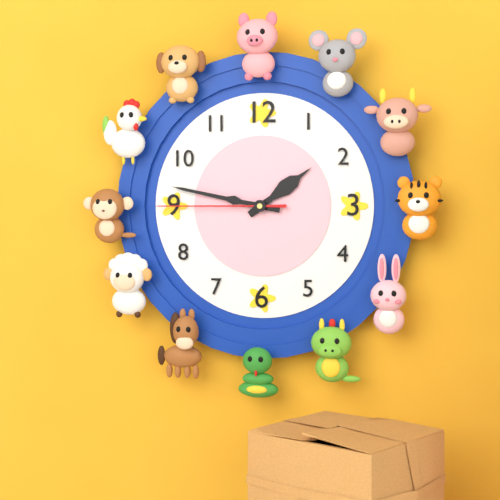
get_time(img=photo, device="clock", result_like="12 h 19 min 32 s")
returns 1 h 47 min 45 s
